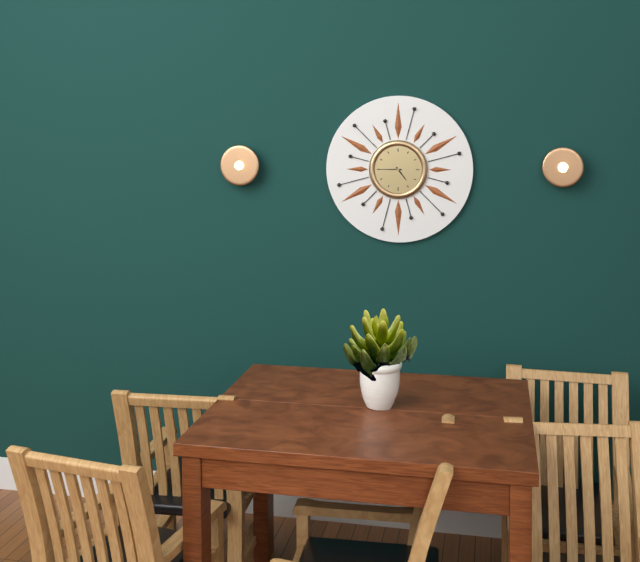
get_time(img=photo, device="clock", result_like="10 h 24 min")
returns 4 h 45 min
